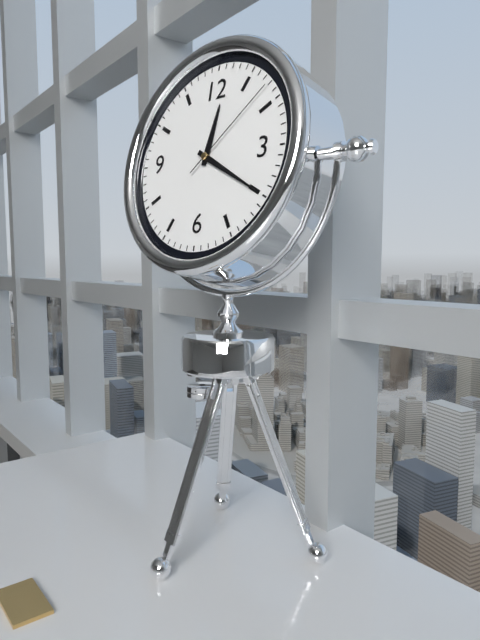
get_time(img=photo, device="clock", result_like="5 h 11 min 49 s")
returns 12 h 20 min 08 s
